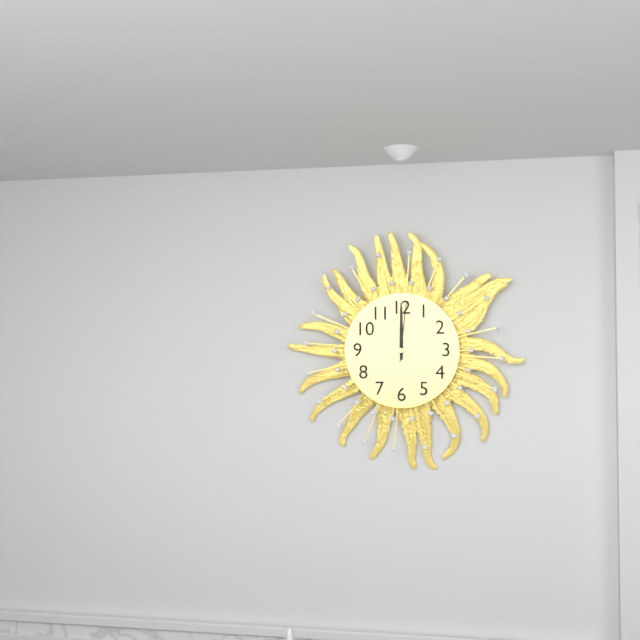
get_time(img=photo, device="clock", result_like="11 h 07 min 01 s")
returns 12 h 00 min 01 s
